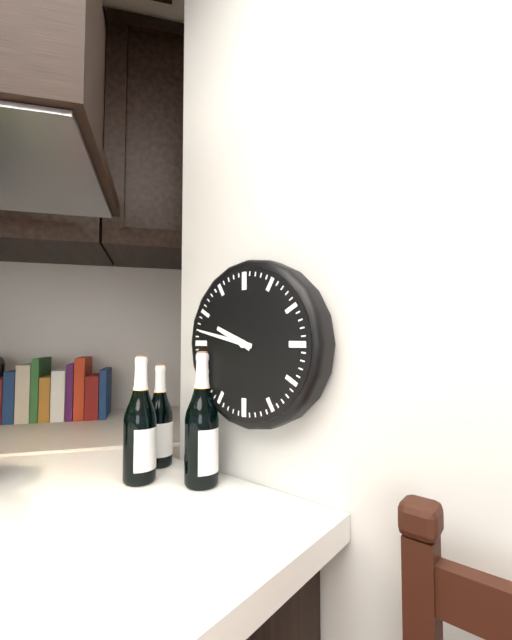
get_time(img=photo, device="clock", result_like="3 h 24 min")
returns 9 h 47 min
